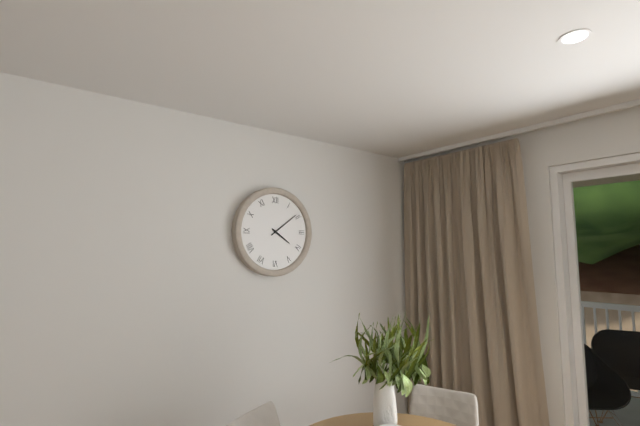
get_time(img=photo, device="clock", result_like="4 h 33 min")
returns 4 h 09 min
